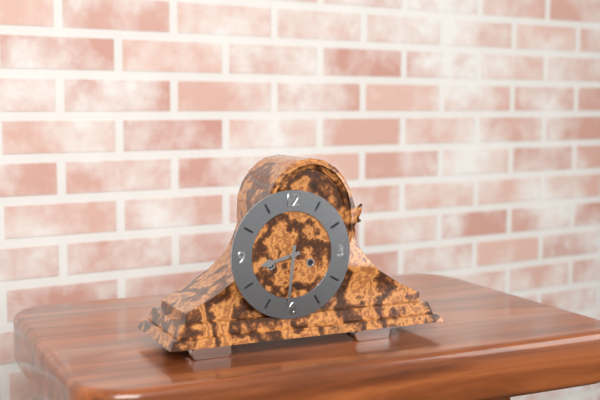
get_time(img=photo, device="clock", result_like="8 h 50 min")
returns 8 h 31 min
